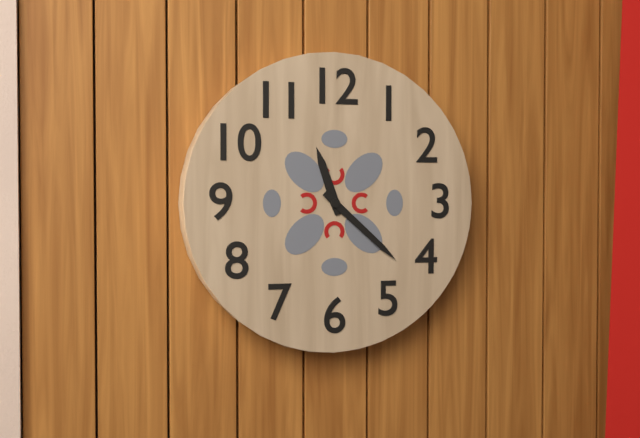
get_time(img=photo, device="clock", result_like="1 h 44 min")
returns 11 h 22 min
